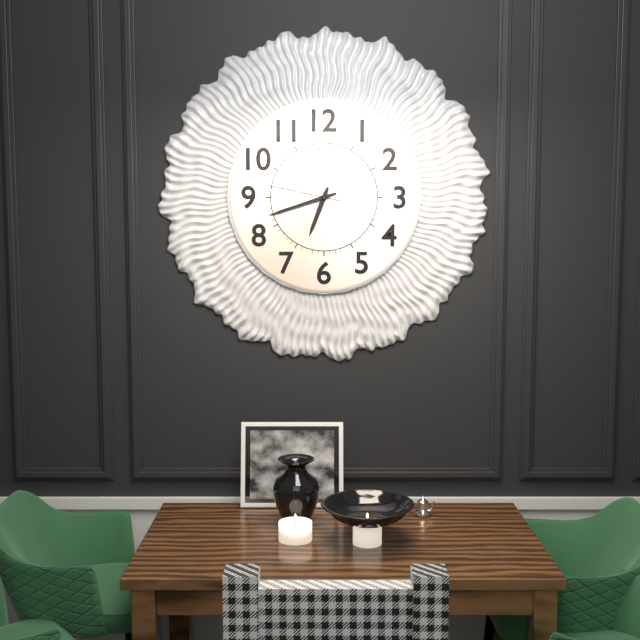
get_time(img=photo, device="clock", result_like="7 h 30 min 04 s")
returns 6 h 42 min 47 s
